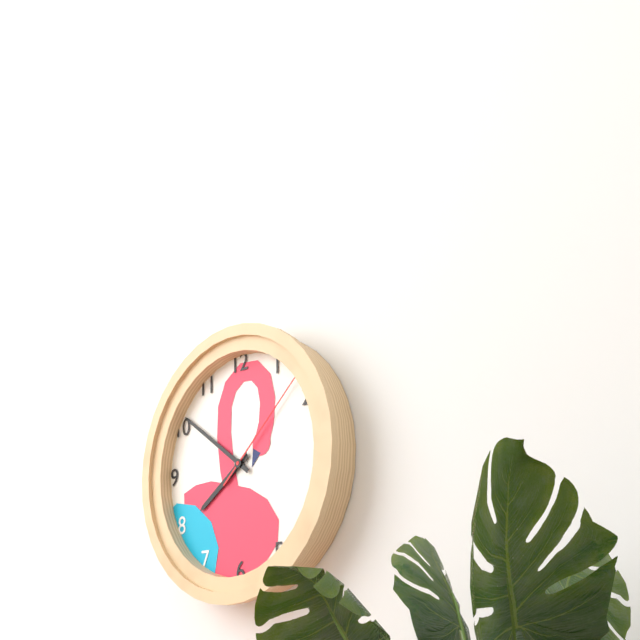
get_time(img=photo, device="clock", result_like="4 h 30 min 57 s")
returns 7 h 51 min 08 s
